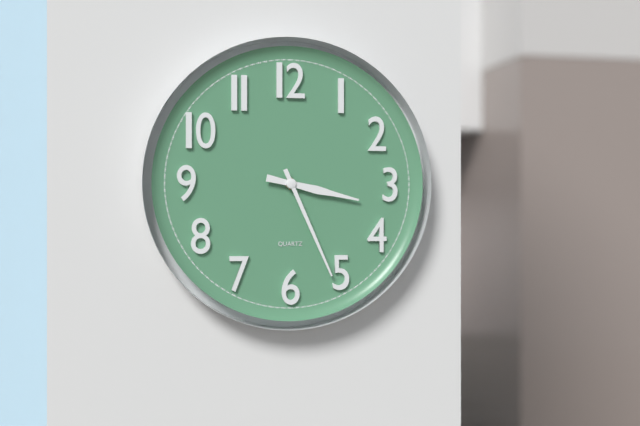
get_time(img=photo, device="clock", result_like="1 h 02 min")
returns 3 h 26 min
